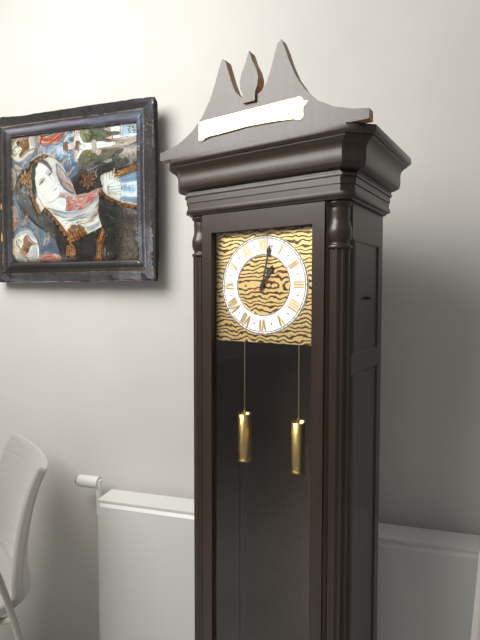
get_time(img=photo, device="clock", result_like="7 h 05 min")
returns 1 h 02 min
